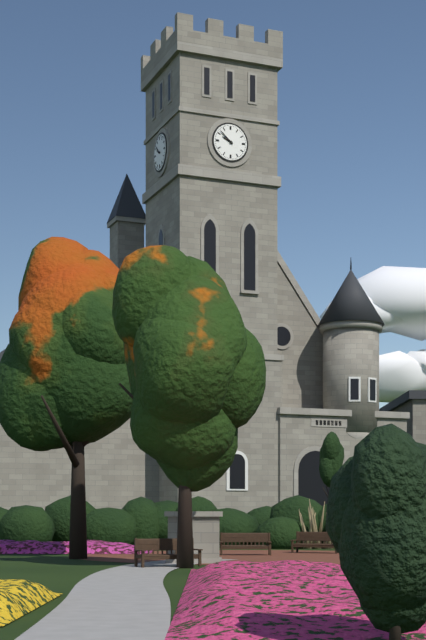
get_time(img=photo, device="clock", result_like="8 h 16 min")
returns 9 h 52 min
